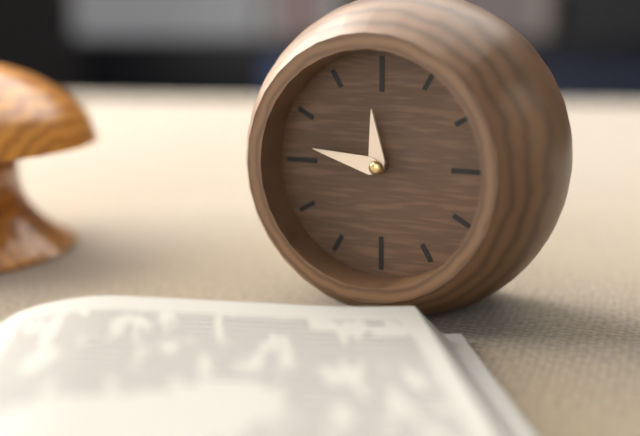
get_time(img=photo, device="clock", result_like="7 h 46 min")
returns 11 h 47 min
